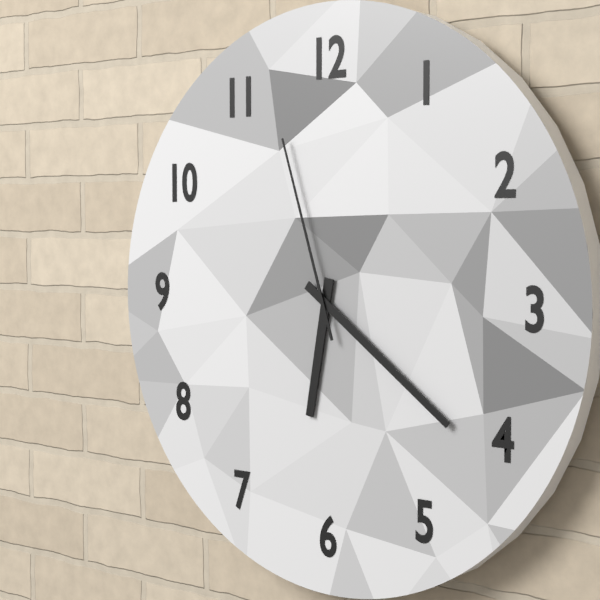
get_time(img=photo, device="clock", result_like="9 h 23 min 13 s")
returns 6 h 21 min 57 s
